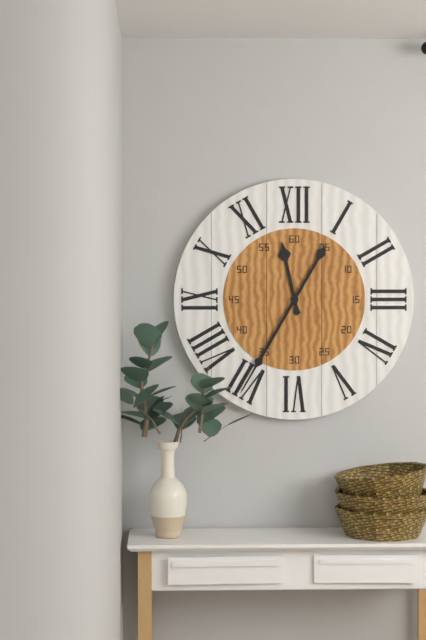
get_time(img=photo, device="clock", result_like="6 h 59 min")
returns 11 h 35 min
